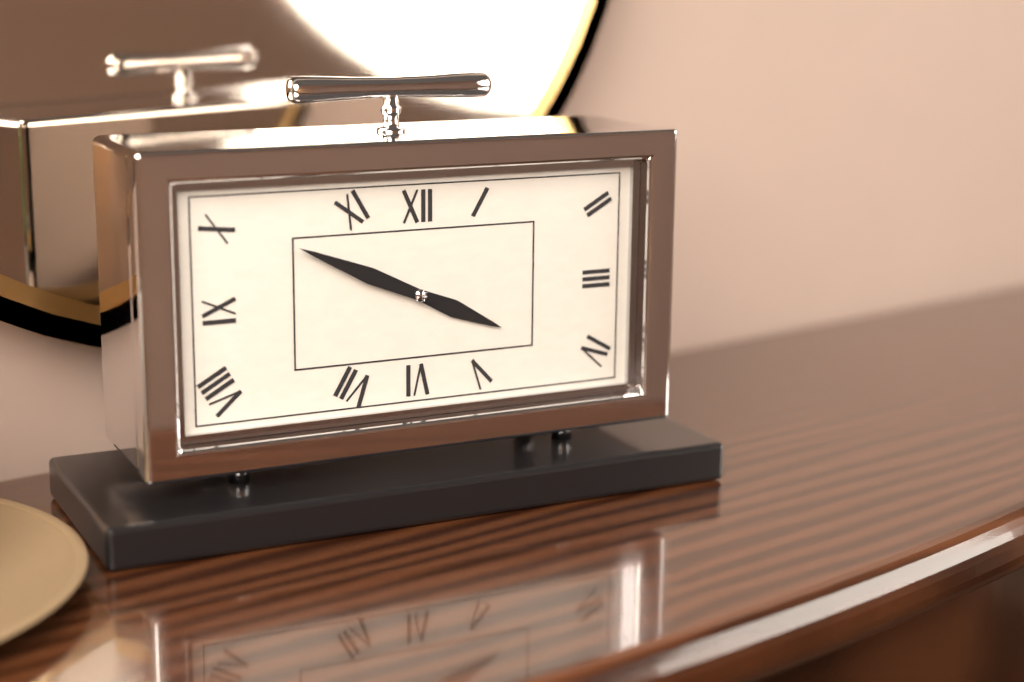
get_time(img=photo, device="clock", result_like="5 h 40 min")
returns 3 h 49 min
